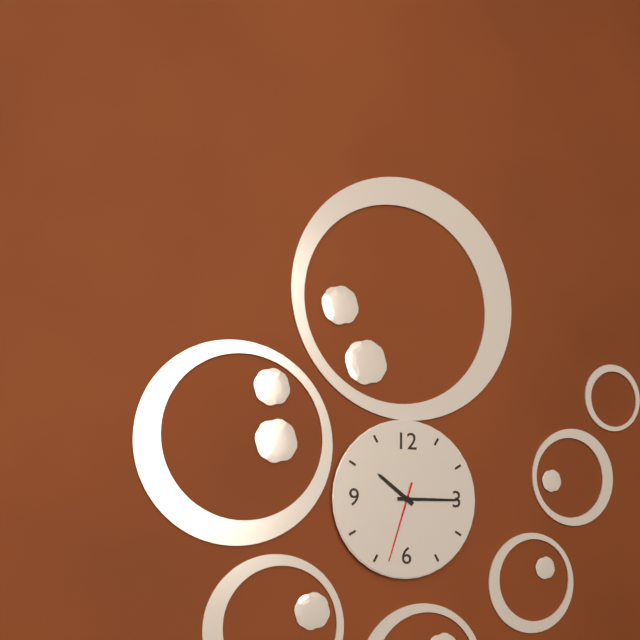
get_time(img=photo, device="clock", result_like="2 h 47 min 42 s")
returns 10 h 15 min 33 s
